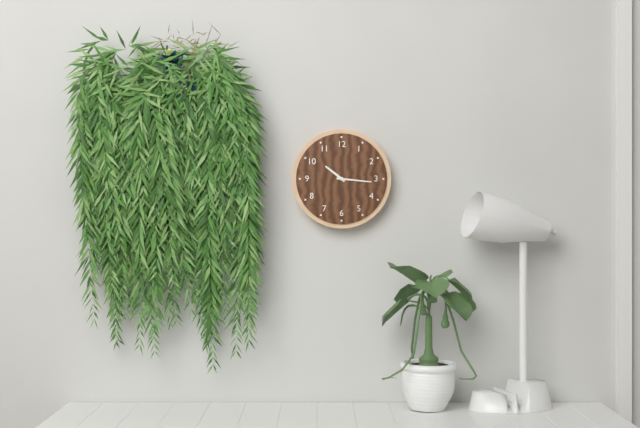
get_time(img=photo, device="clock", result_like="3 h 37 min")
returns 10 h 16 min
